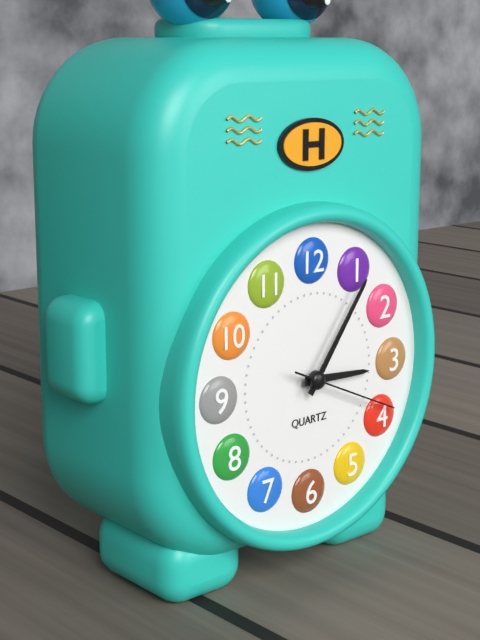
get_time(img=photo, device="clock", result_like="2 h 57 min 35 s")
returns 3 h 06 min 19 s
